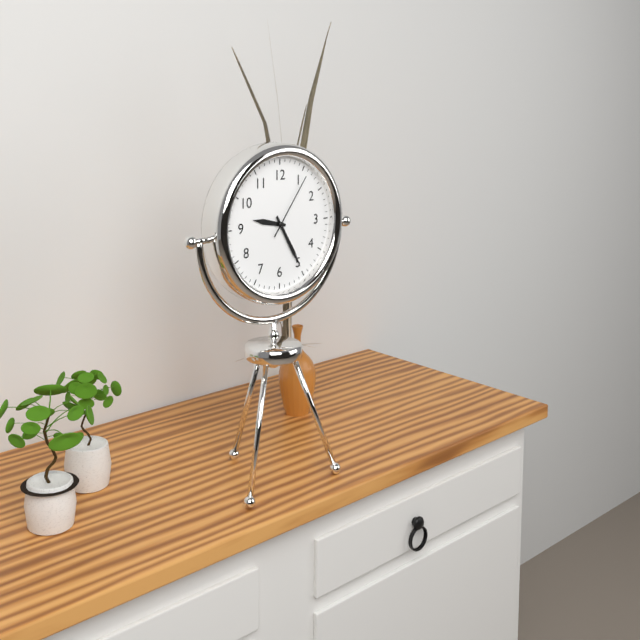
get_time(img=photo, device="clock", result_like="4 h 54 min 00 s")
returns 9 h 25 min 06 s
